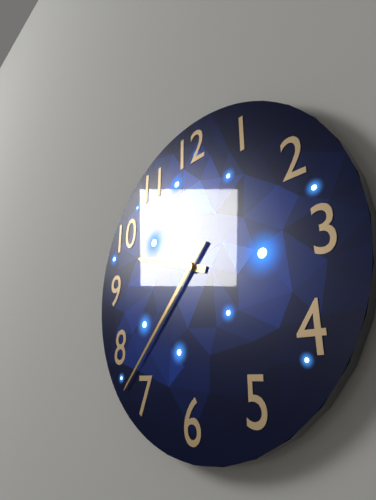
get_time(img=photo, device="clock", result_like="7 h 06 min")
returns 9 h 37 min
